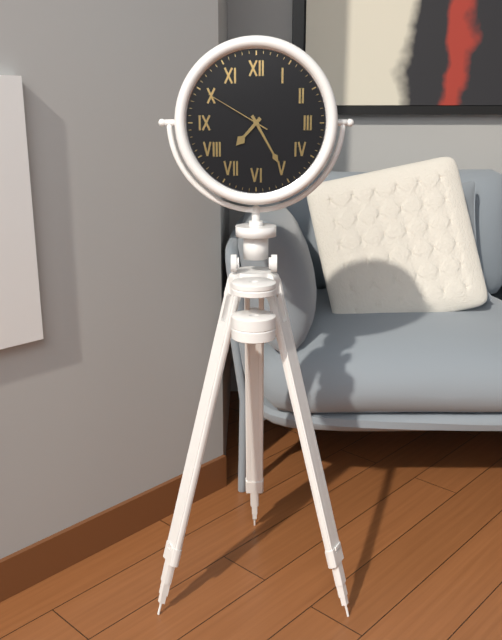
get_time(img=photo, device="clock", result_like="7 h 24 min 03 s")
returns 7 h 25 min 50 s
